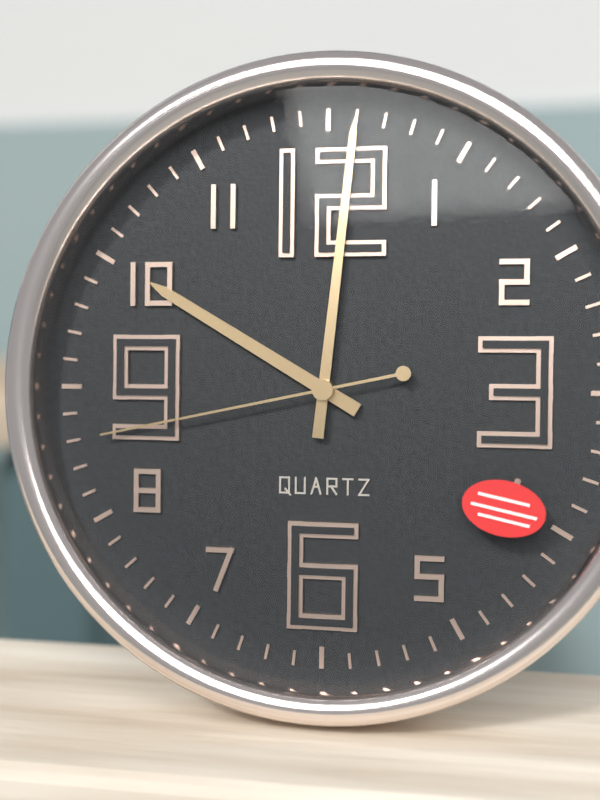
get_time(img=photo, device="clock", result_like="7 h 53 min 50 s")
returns 10 h 01 min 43 s
